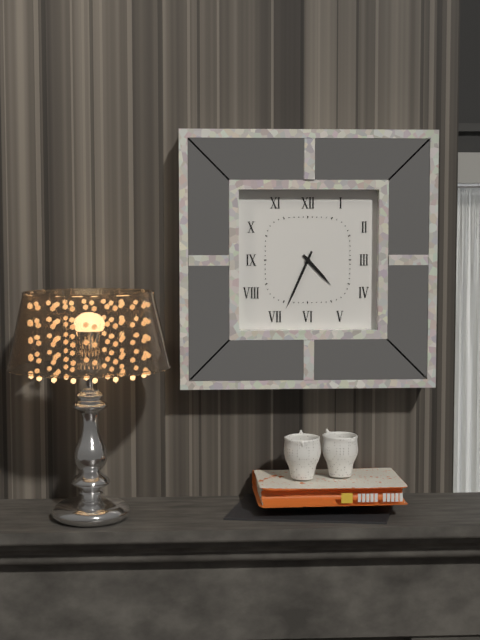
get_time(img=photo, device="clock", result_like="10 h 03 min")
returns 4 h 34 min
